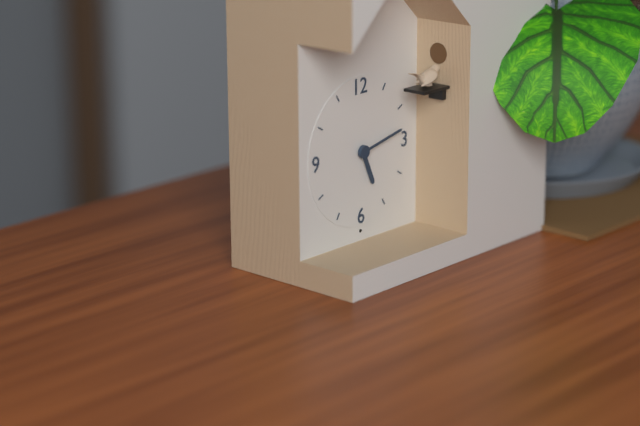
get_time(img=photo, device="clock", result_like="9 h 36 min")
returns 5 h 13 min
